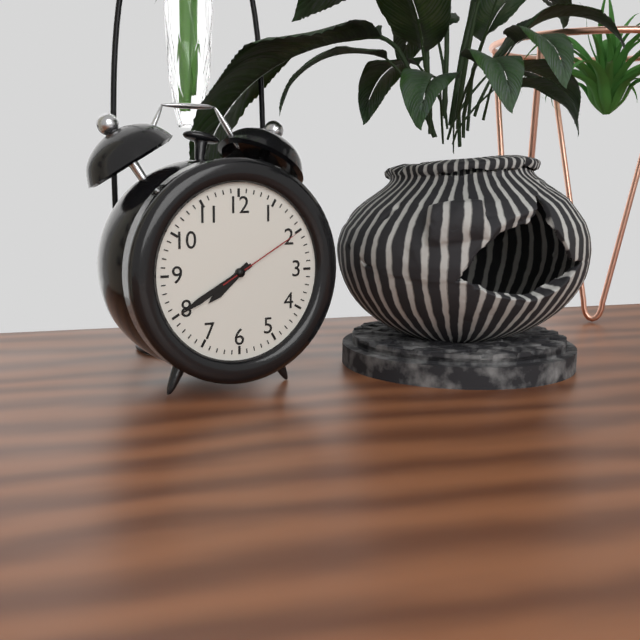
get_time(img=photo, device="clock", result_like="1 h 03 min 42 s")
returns 7 h 40 min 10 s
